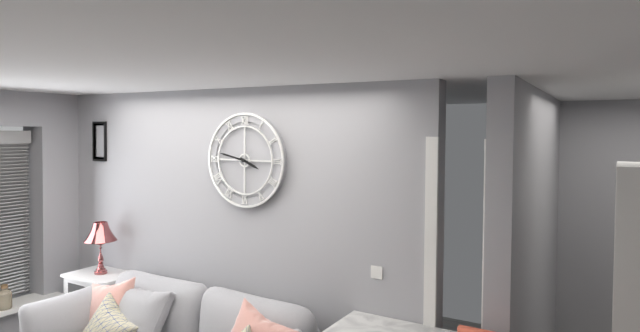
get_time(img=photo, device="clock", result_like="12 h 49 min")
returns 3 h 47 min
